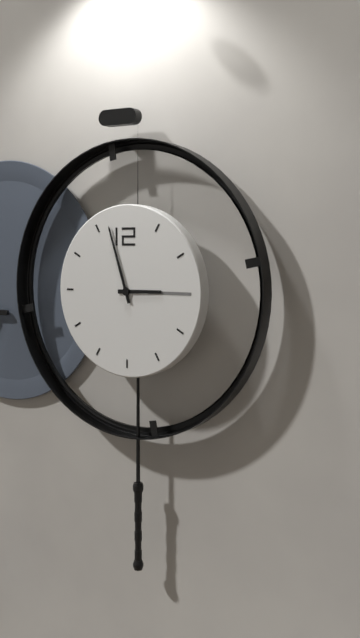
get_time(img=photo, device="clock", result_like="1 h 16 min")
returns 2 h 57 min
